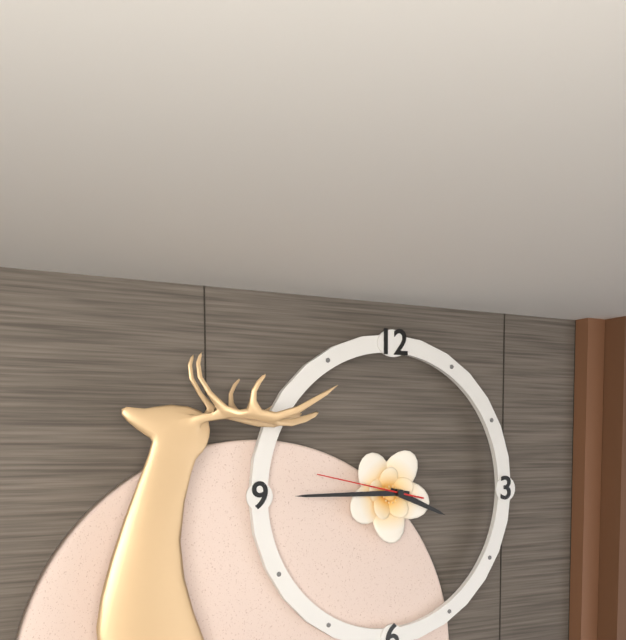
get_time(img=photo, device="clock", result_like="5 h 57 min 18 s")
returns 3 h 45 min 47 s
